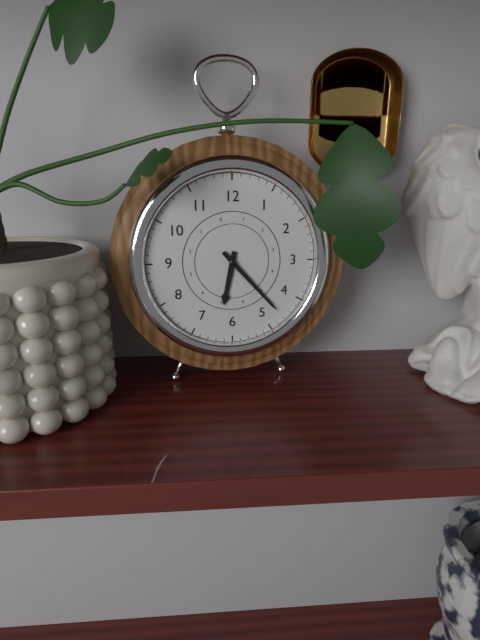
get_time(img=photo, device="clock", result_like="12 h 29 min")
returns 6 h 23 min
